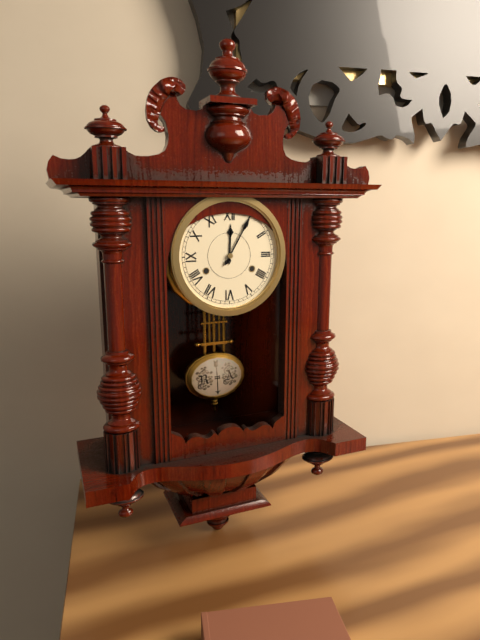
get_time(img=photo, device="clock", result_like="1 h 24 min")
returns 12 h 05 min
